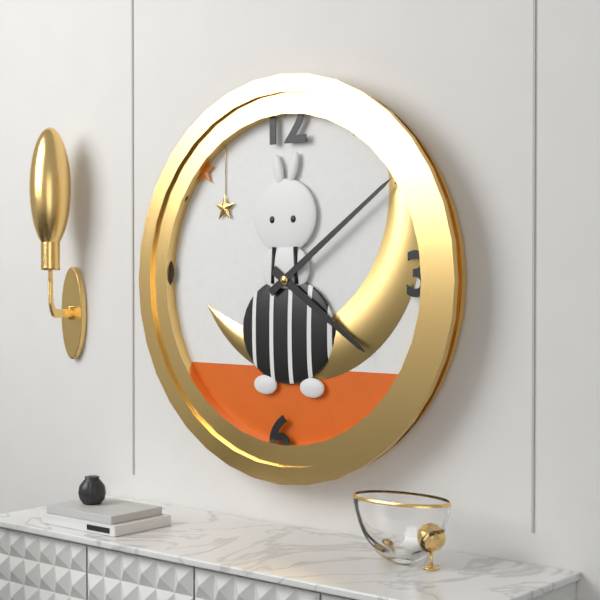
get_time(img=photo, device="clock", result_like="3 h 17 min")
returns 4 h 09 min
